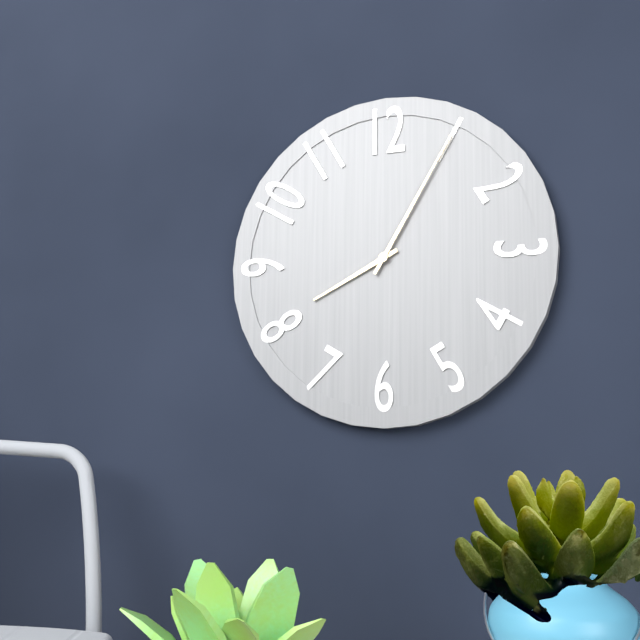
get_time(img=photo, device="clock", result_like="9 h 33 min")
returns 8 h 05 min
